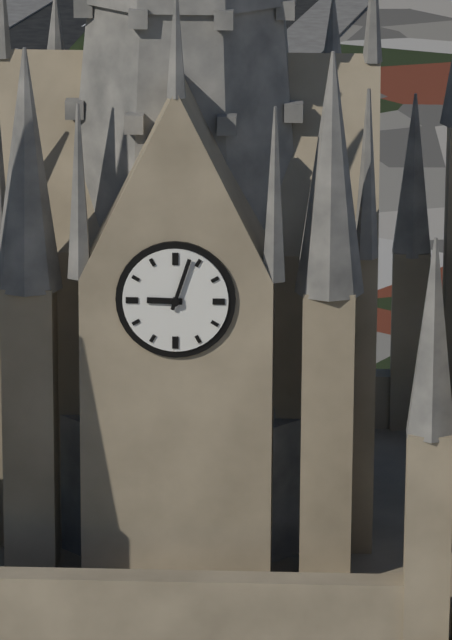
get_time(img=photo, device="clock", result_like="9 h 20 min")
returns 9 h 03 min
